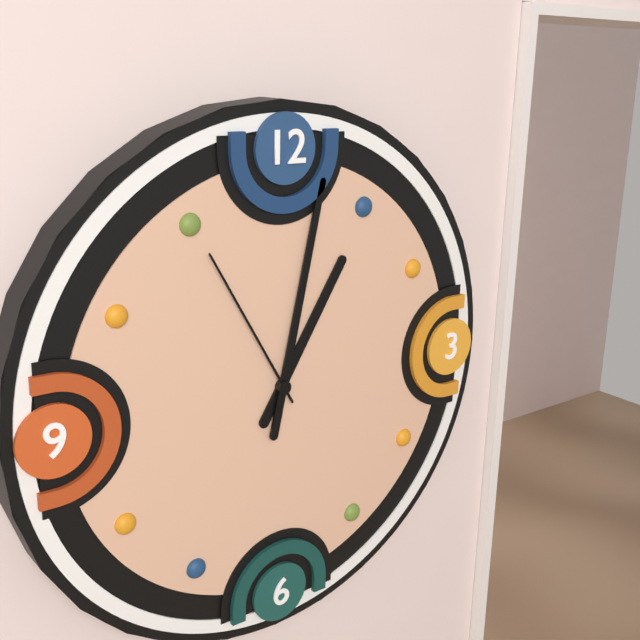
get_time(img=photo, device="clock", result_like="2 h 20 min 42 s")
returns 1 h 02 min 55 s
